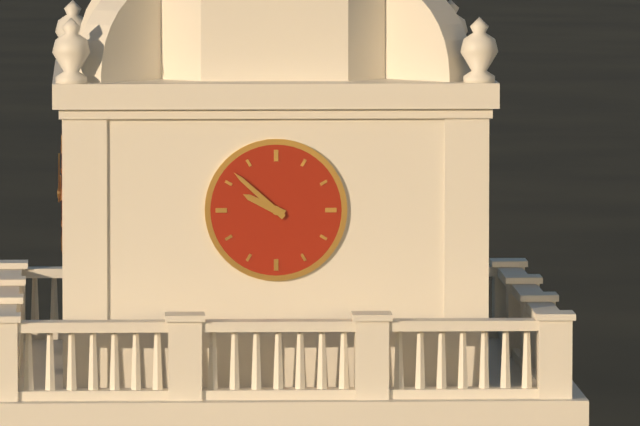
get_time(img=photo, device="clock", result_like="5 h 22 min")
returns 9 h 52 min
